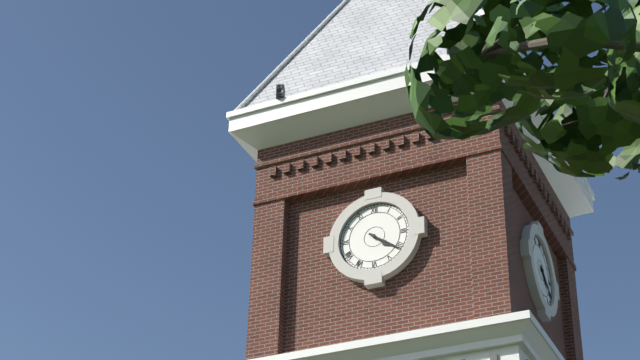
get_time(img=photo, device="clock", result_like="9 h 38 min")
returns 4 h 21 min
